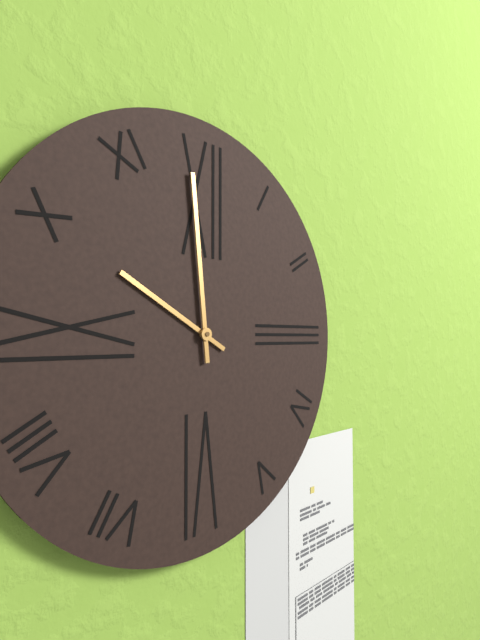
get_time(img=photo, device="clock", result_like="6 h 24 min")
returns 9 h 59 min
